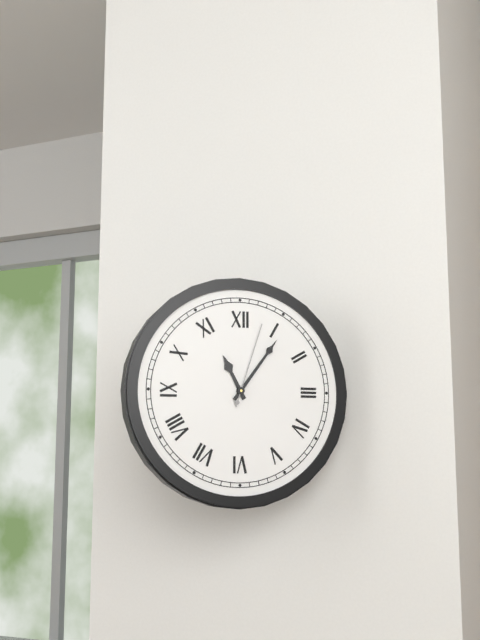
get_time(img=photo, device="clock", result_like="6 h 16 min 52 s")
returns 11 h 06 min 03 s
